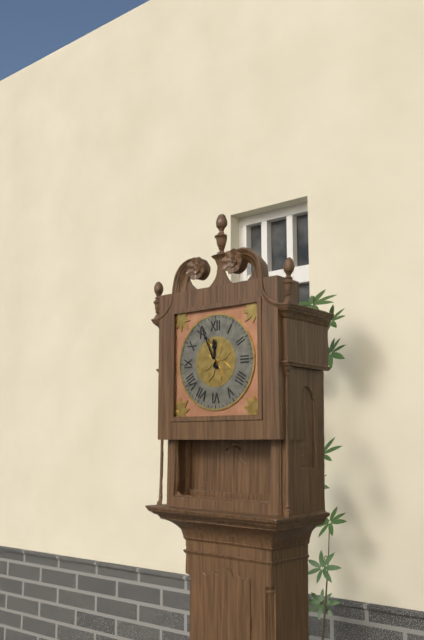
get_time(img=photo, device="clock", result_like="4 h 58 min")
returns 11 h 56 min
